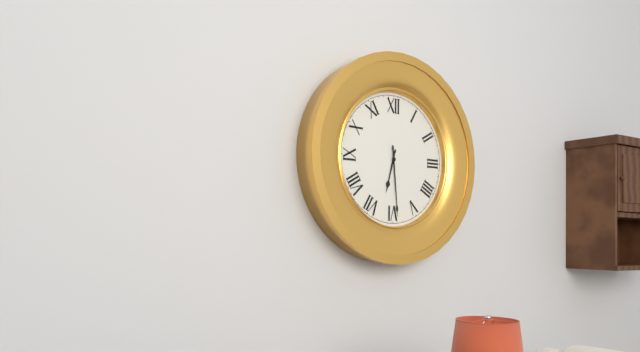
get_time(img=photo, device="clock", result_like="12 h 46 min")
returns 6 h 29 min
